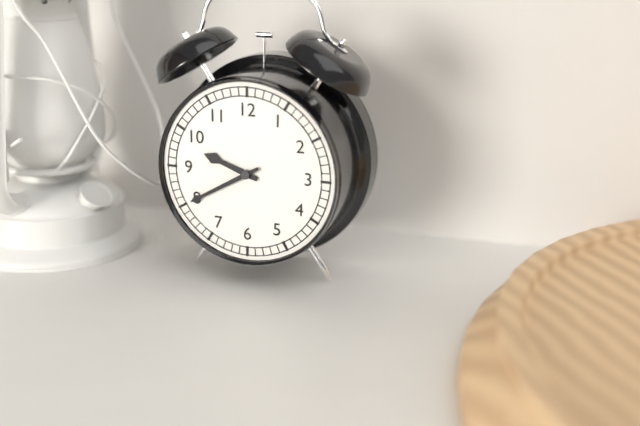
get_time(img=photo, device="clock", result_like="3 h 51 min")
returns 9 h 40 min
